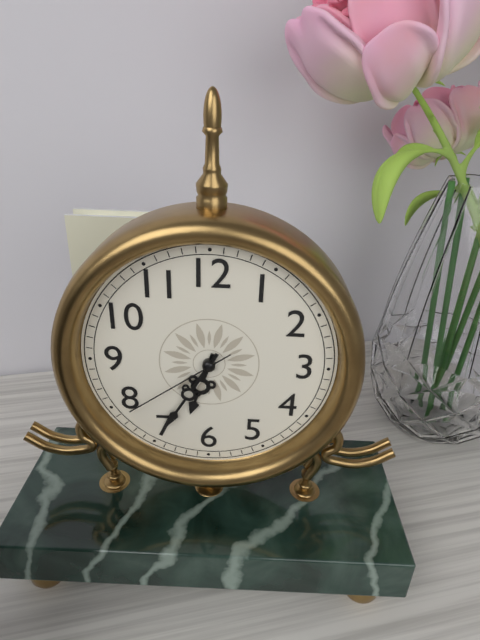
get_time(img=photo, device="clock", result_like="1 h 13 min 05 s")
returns 6 h 35 min 39 s
